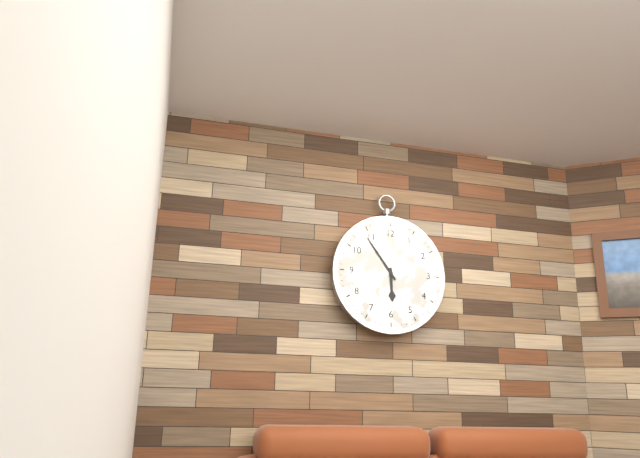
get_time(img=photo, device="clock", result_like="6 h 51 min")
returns 5 h 54 min
